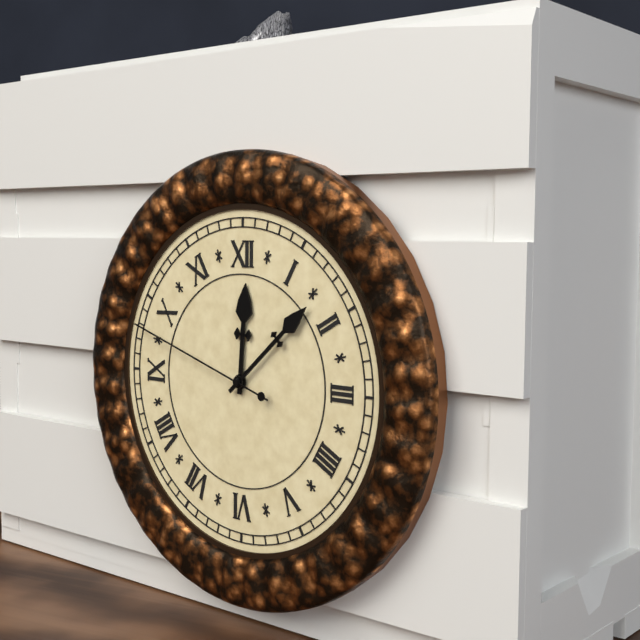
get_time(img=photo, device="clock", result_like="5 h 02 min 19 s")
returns 12 h 08 min 48 s
